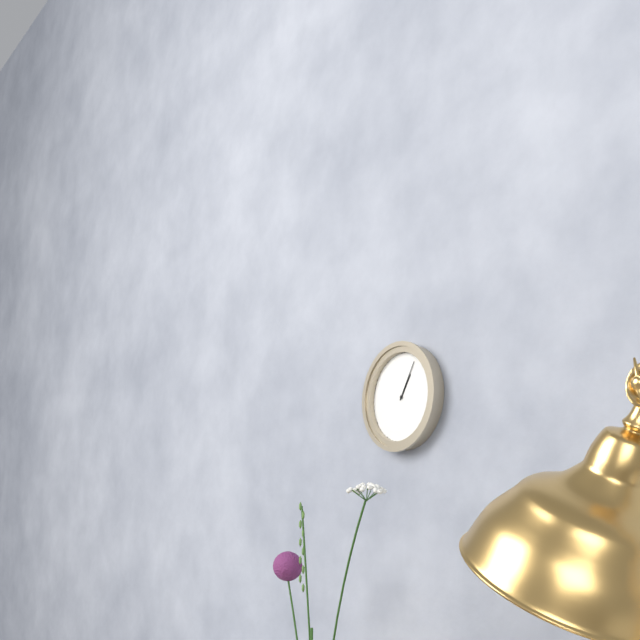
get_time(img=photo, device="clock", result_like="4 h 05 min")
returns 1 h 05 min
